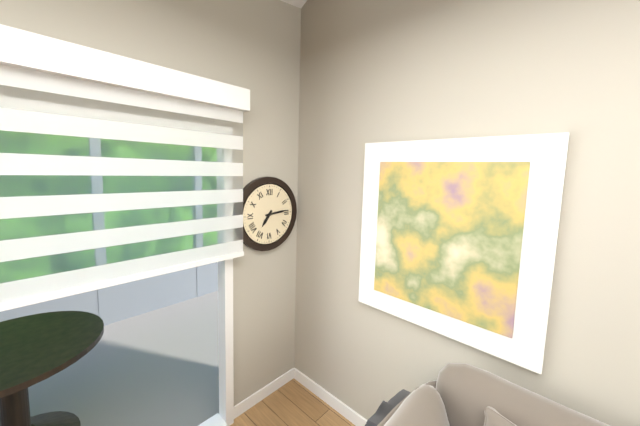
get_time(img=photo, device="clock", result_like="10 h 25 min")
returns 7 h 14 min
